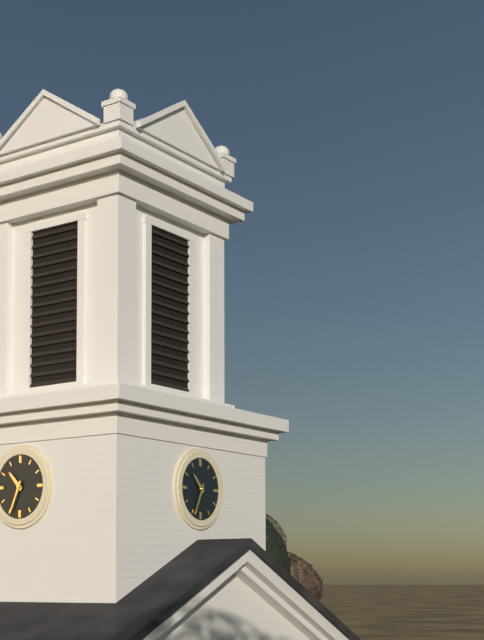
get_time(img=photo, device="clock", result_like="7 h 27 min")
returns 10 h 34 min
